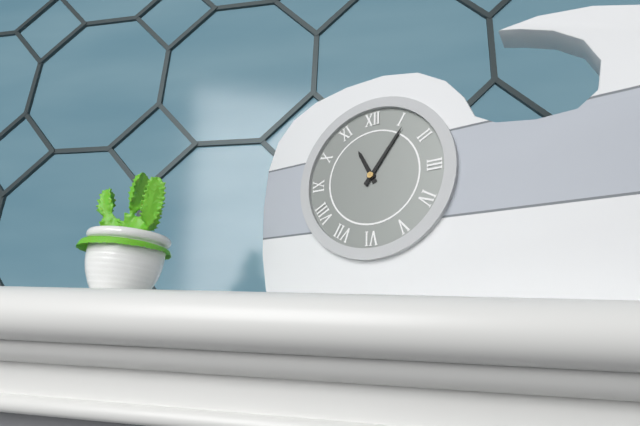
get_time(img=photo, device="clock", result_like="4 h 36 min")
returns 11 h 06 min
